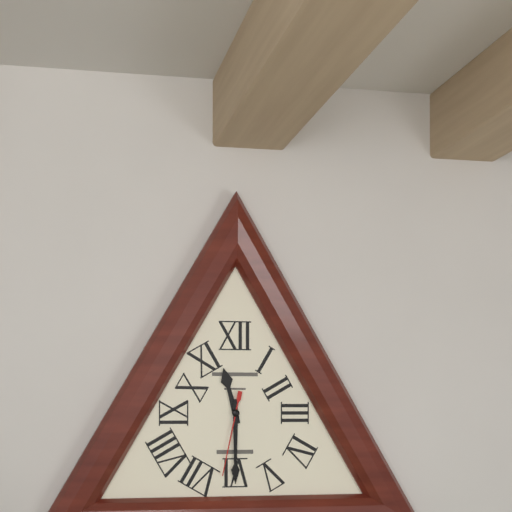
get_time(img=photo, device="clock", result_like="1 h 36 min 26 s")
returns 11 h 30 min 32 s
